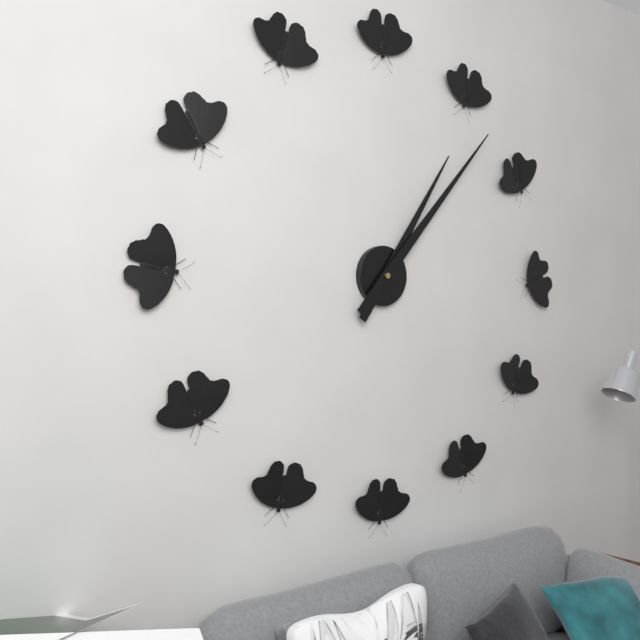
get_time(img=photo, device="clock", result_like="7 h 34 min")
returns 1 h 07 min
